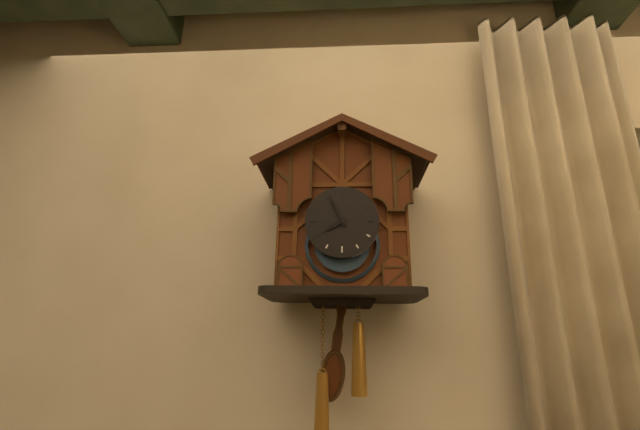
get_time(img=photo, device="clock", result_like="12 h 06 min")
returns 7 h 56 min
